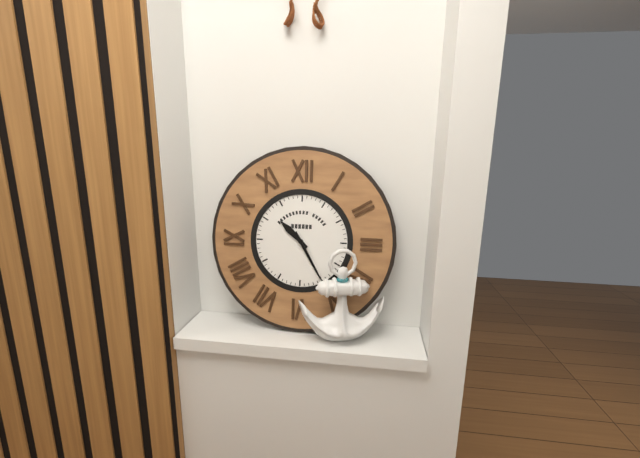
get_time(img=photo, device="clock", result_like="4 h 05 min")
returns 10 h 25 min
